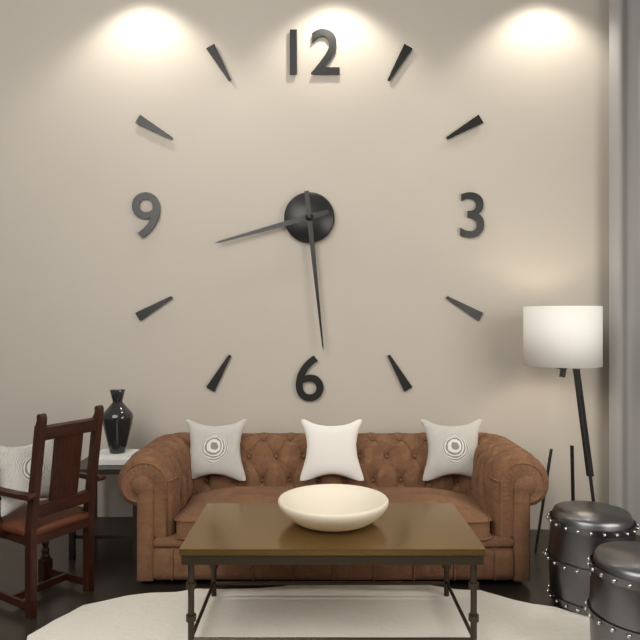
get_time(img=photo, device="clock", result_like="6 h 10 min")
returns 8 h 29 min
